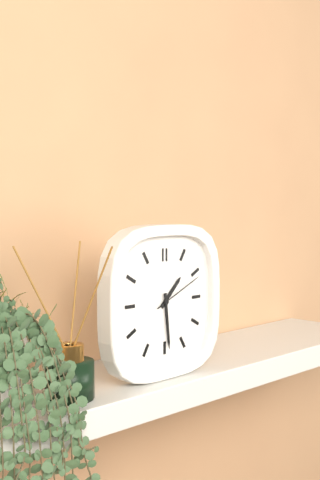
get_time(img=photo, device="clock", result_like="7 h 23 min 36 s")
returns 1 h 29 min 11 s
